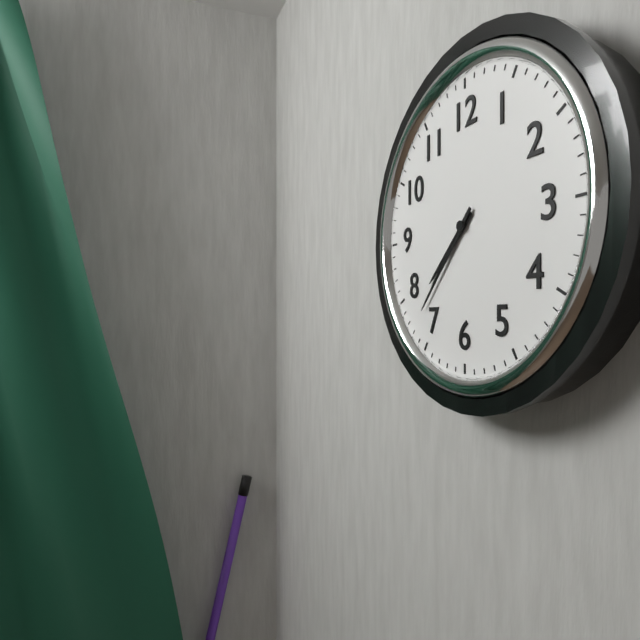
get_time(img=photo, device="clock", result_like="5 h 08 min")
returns 7 h 37 min
